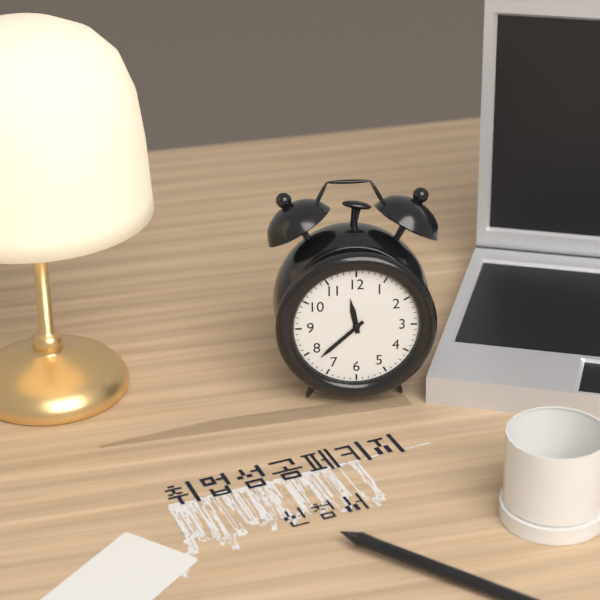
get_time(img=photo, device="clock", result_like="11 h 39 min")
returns 11 h 38 min
